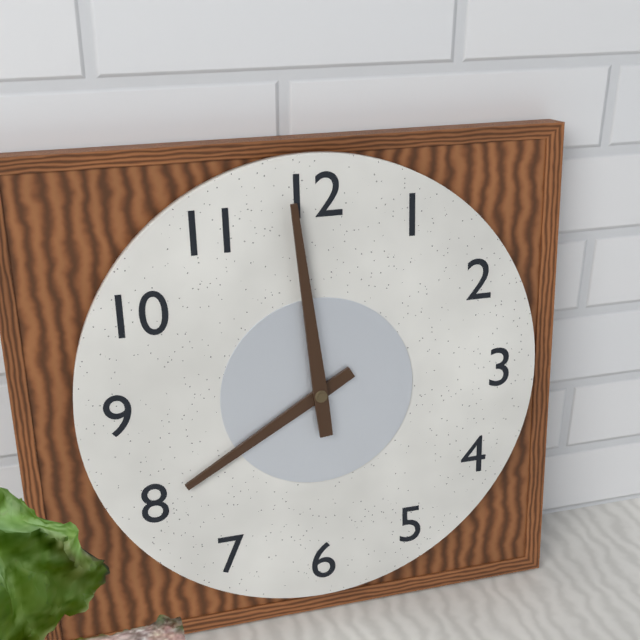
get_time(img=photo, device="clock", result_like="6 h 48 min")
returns 7 h 59 min
